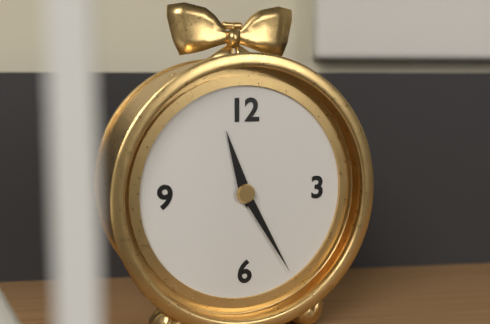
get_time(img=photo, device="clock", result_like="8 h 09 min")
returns 11 h 25 min
